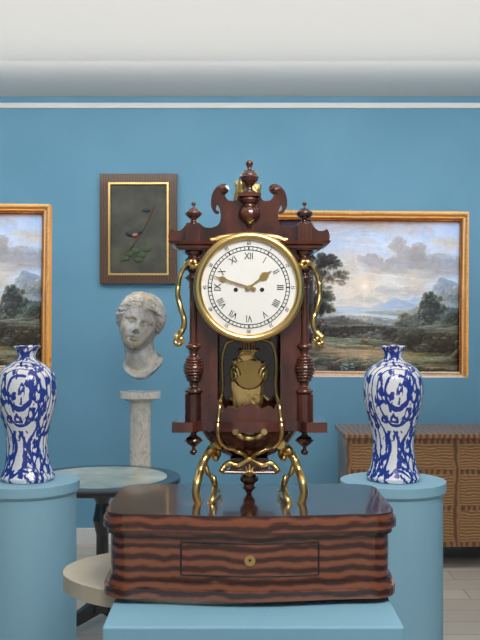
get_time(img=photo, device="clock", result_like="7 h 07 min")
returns 1 h 48 min
